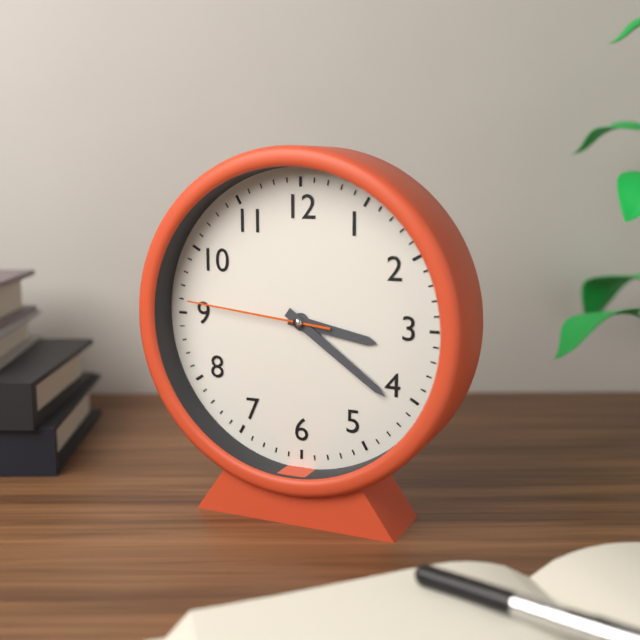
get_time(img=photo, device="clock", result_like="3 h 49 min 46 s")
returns 3 h 21 min 46 s
